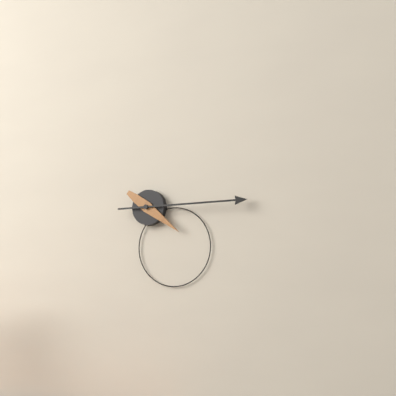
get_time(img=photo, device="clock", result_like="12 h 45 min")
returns 4 h 15 min
